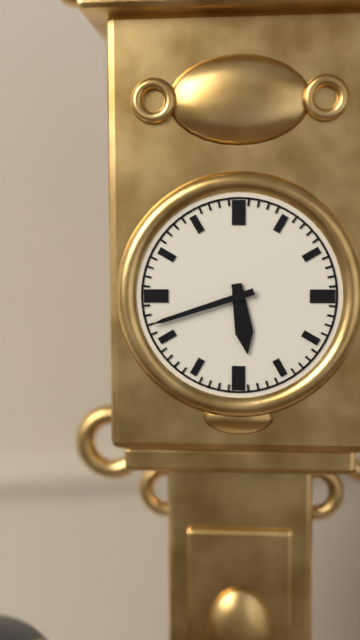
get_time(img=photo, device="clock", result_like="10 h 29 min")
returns 5 h 42 min
